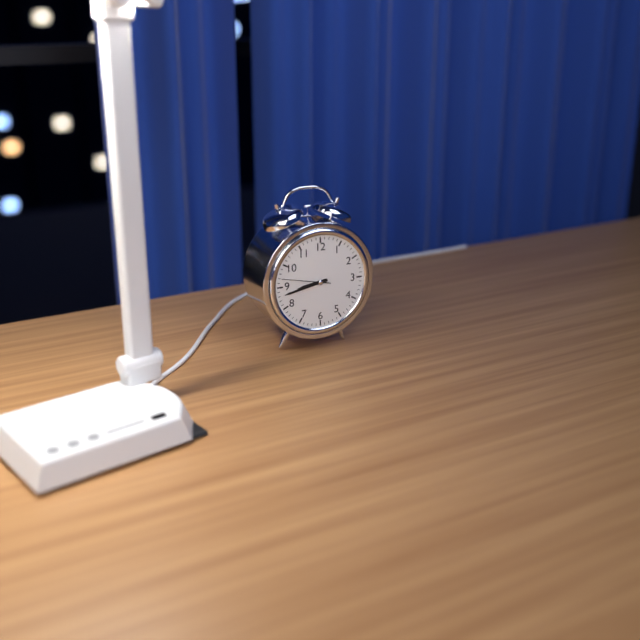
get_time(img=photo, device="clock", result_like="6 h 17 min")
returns 8 h 43 min
